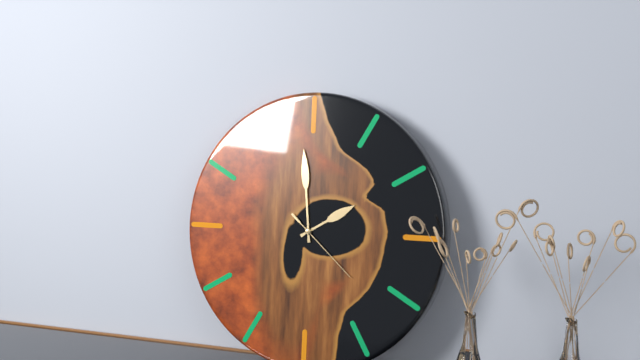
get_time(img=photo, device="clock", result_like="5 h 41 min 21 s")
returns 1 h 59 min 22 s
